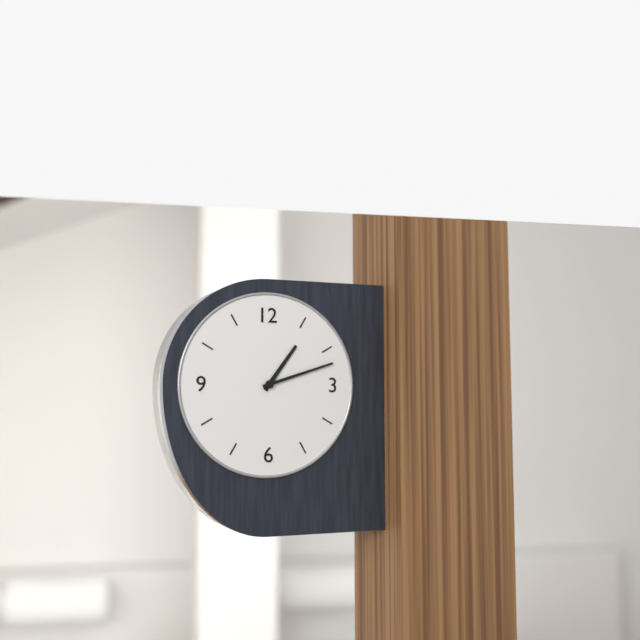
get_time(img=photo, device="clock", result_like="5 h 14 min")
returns 1 h 12 min
